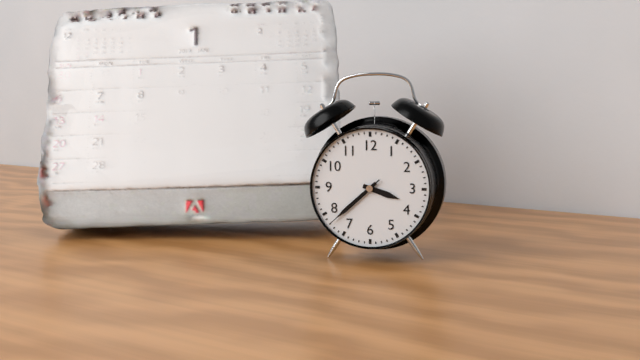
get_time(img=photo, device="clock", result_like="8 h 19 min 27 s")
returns 3 h 38 min 38 s
